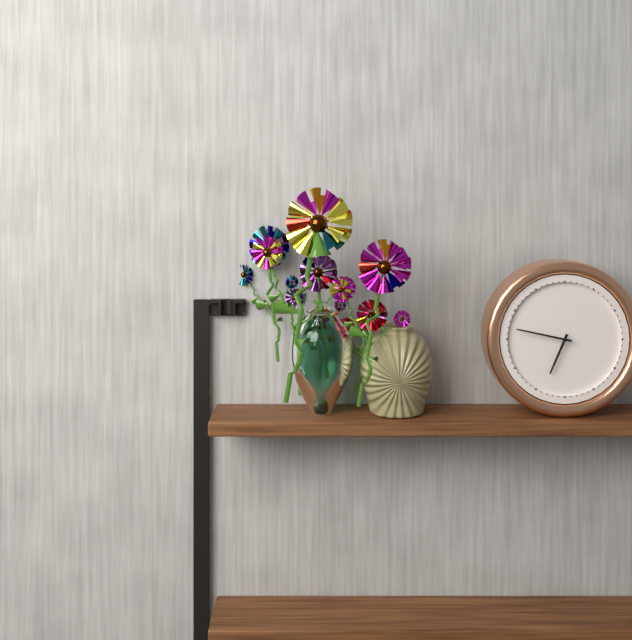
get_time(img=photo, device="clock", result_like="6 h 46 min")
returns 6 h 47 min
